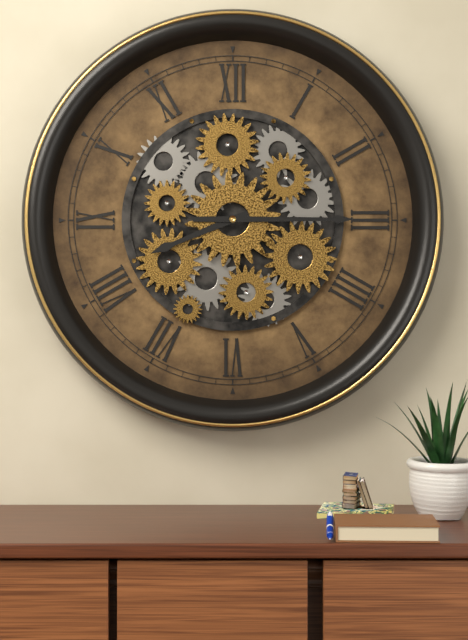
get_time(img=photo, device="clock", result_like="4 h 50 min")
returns 8 h 15 min
